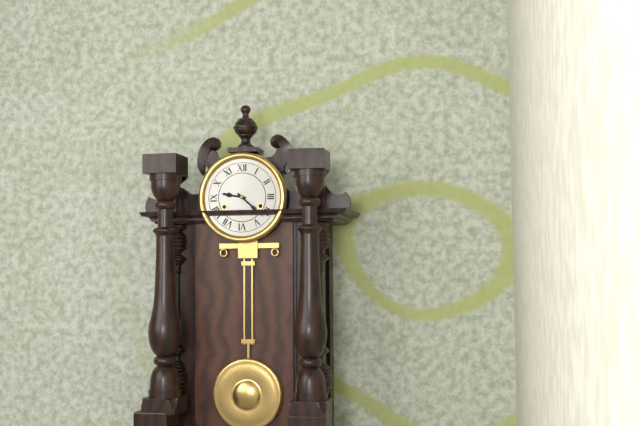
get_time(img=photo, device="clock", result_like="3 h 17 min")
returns 9 h 22 min
